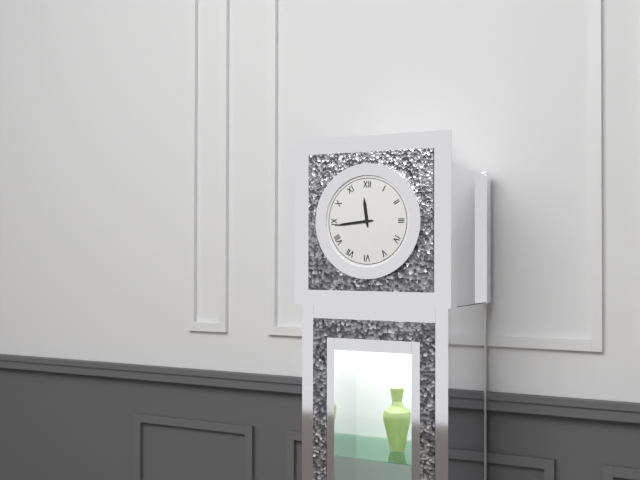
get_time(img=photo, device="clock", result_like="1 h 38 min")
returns 11 h 44 min
